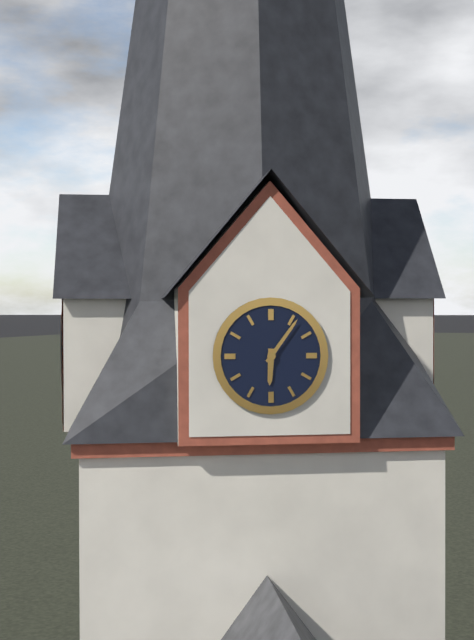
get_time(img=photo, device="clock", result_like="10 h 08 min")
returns 6 h 06 min
